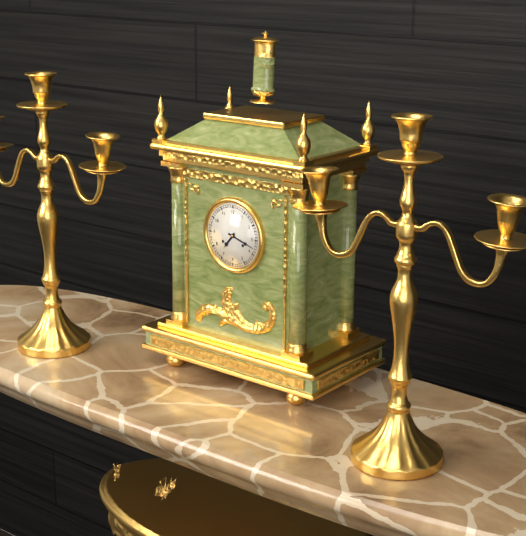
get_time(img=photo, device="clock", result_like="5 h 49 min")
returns 7 h 18 min
